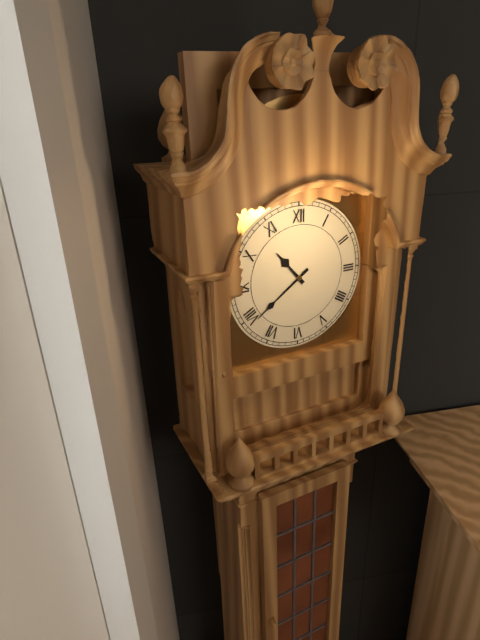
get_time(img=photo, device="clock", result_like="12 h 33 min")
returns 10 h 39 min
